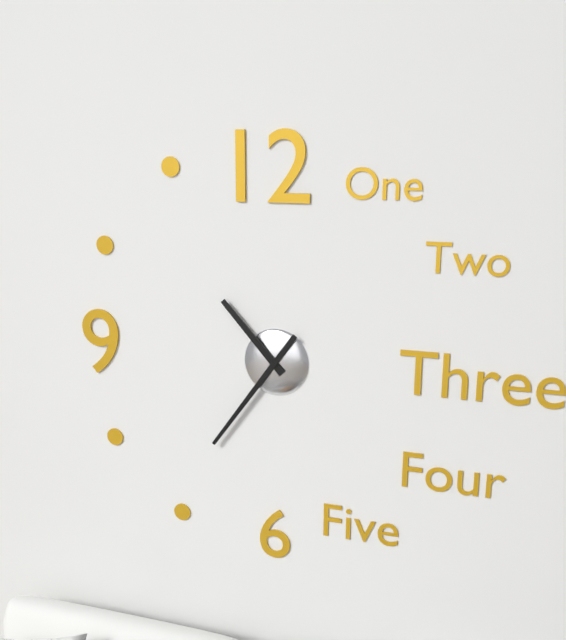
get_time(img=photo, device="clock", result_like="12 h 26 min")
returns 10 h 36 min
